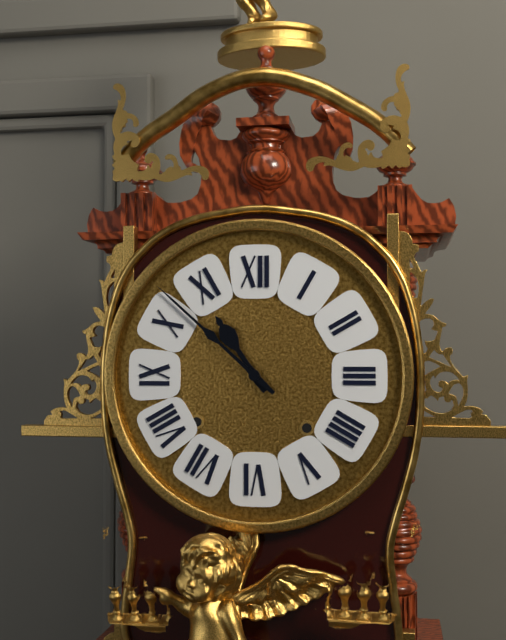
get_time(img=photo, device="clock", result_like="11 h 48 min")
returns 10 h 52 min
